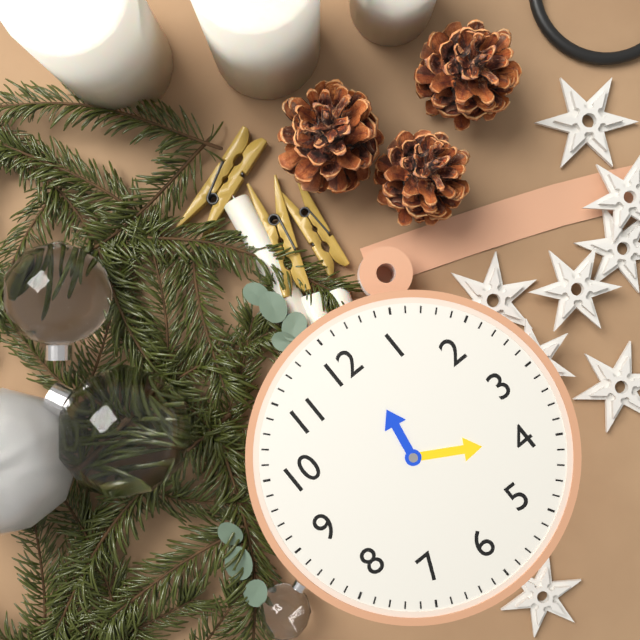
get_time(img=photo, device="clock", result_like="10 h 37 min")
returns 12 h 20 min
